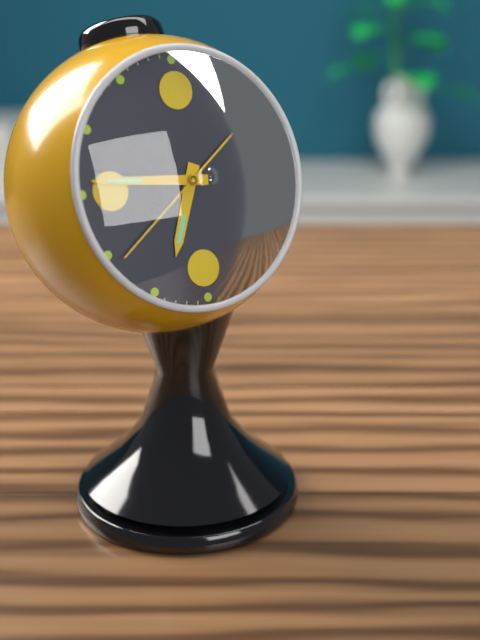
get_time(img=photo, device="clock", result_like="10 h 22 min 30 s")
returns 6 h 46 min 39 s
